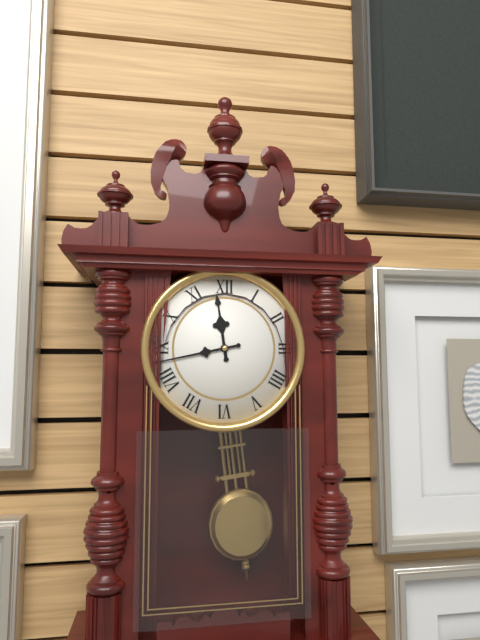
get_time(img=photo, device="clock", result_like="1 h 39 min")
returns 11 h 43 min
